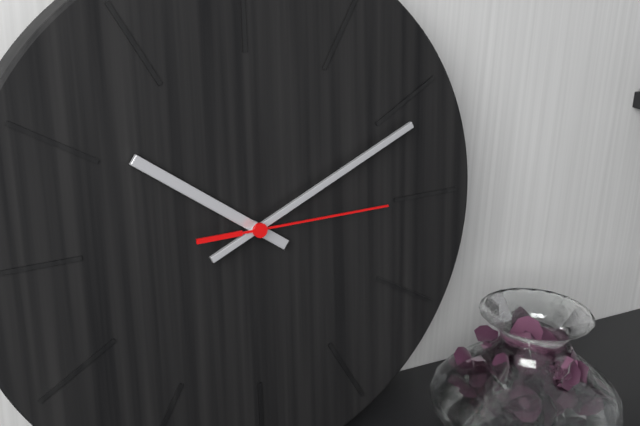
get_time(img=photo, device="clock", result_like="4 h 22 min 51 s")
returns 10 h 11 min 15 s
